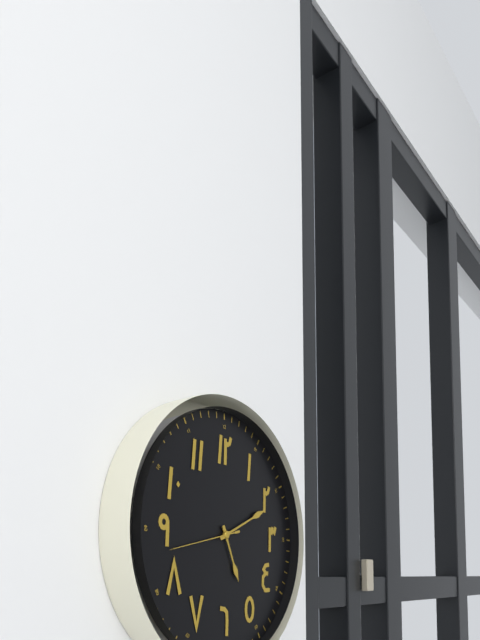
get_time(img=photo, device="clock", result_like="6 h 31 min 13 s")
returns 5 h 11 min 43 s
